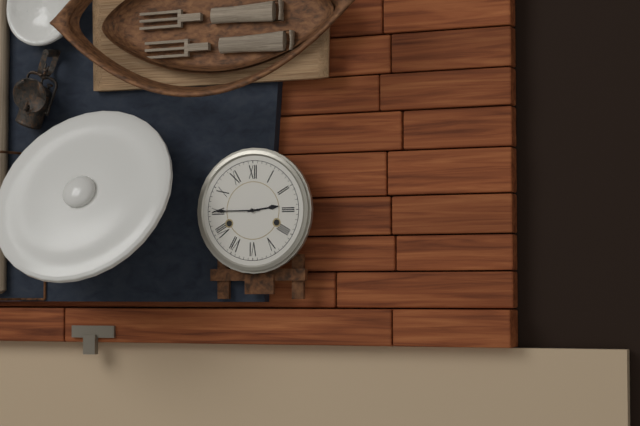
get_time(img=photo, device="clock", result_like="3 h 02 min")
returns 2 h 45 min
